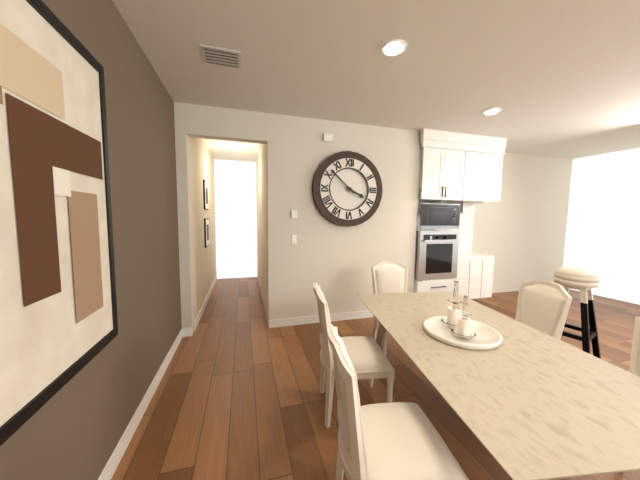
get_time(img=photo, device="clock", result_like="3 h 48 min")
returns 3 h 52 min
